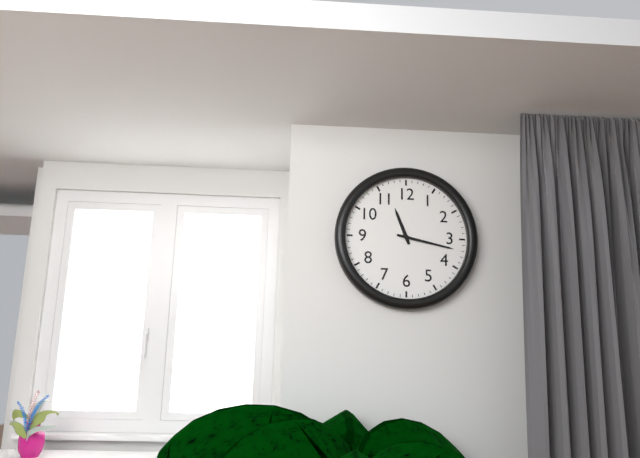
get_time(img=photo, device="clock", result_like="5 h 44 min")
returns 11 h 17 min
